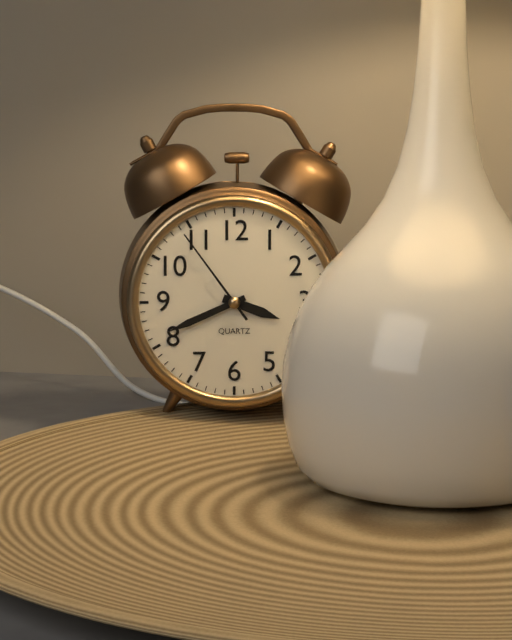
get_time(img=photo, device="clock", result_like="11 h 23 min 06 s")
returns 3 h 41 min 54 s
